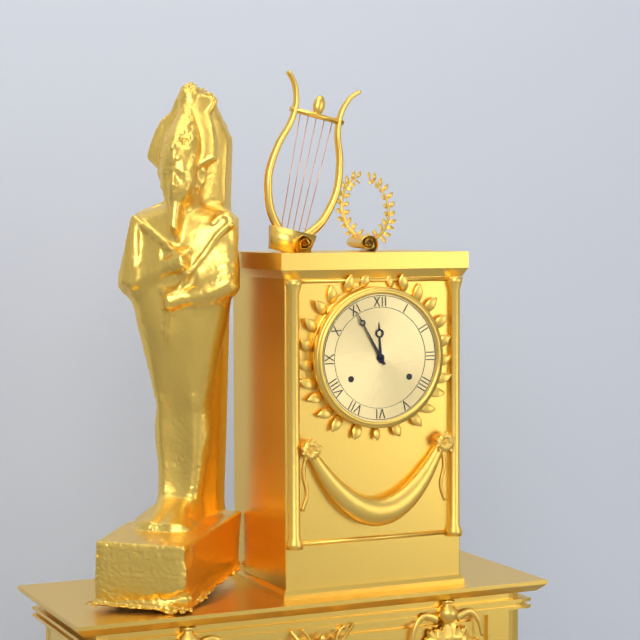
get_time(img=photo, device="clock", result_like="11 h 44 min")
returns 11 h 55 min
